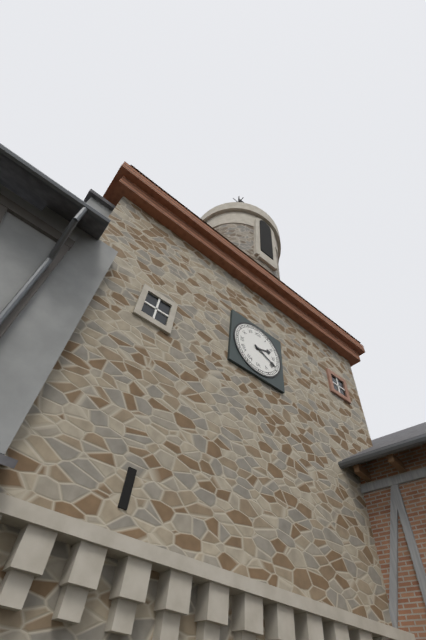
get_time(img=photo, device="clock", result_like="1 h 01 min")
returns 2 h 19 min
